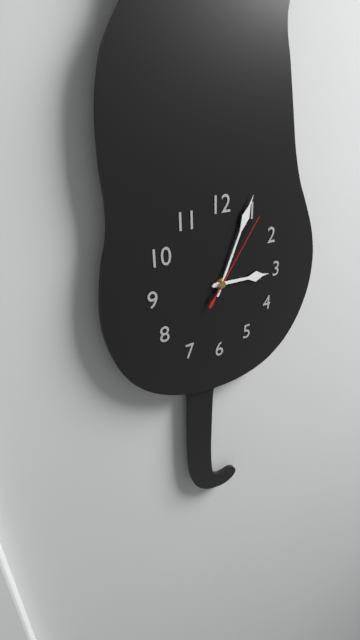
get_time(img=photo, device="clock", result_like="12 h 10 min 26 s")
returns 3 h 04 min 06 s
